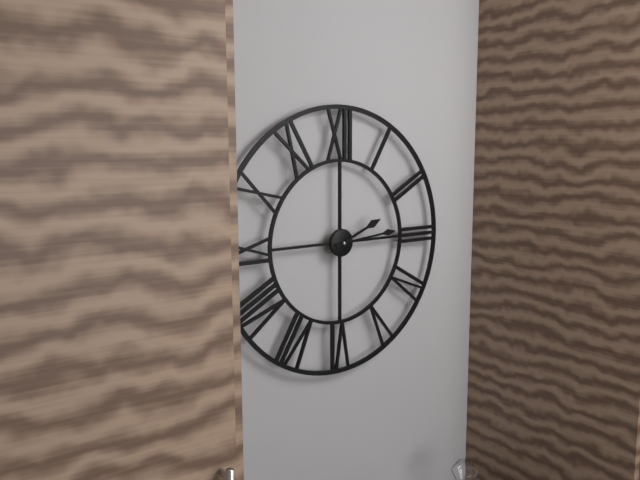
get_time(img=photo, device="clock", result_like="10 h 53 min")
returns 2 h 14 min
